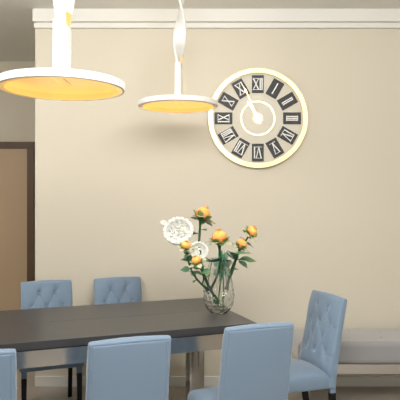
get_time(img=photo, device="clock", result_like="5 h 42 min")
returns 10 h 56 min
